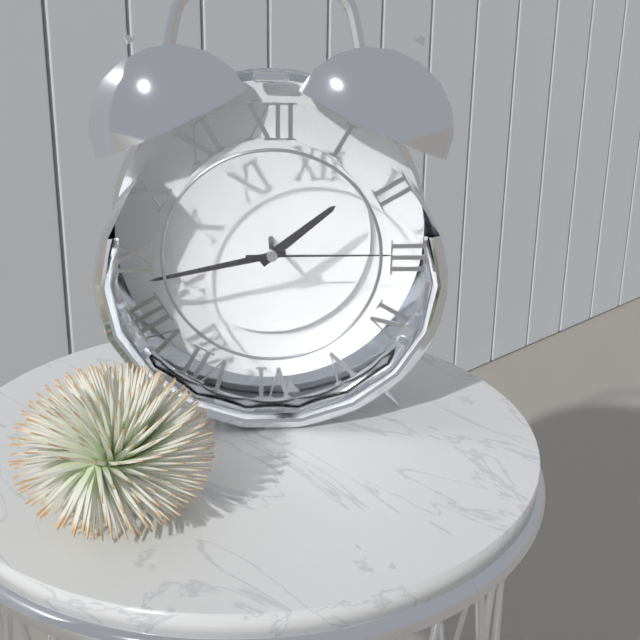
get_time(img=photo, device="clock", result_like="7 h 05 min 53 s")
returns 1 h 43 min 15 s
